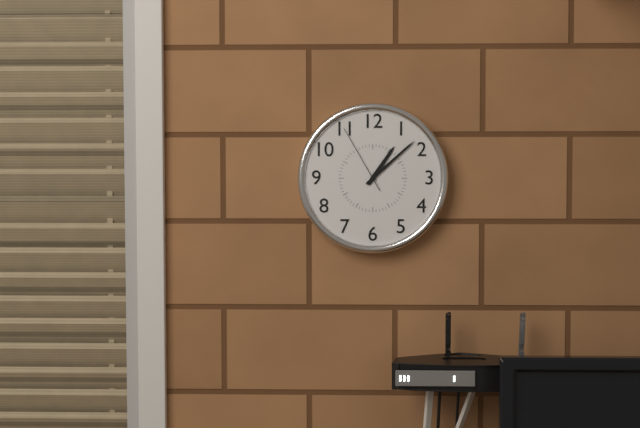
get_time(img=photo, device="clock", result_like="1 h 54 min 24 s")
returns 1 h 08 min 55 s
